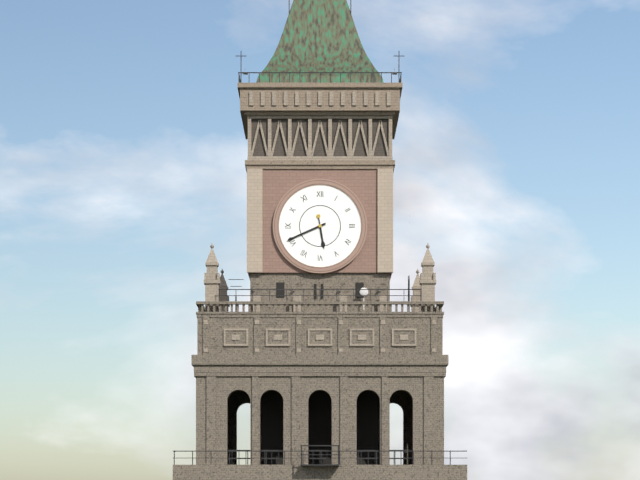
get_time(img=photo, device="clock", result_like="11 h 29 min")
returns 5 h 41 min
